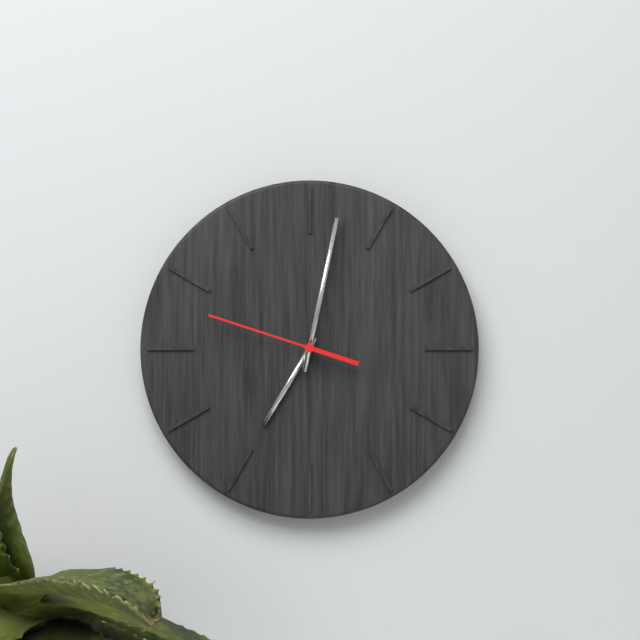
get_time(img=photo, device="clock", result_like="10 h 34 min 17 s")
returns 7 h 02 min 48 s
